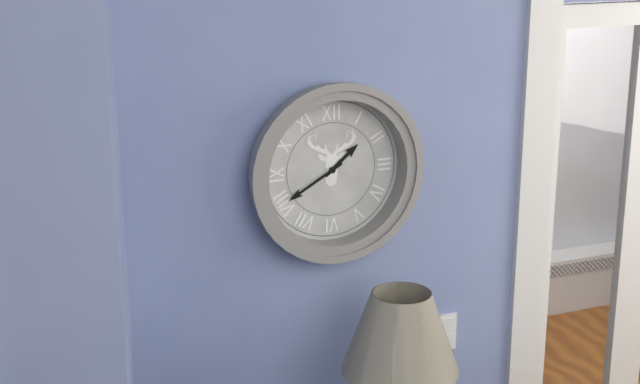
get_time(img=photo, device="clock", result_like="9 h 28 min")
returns 1 h 40 min
